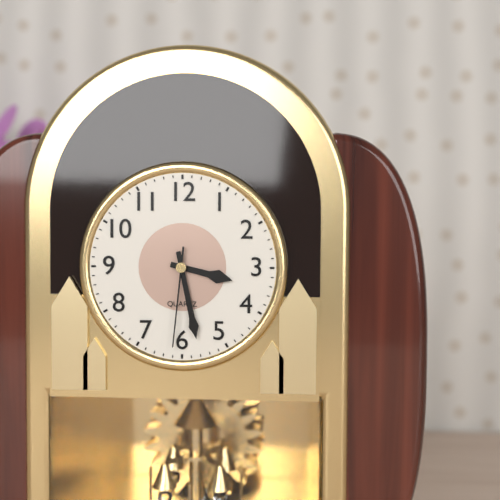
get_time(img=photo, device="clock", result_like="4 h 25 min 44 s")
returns 3 h 28 min 31 s
